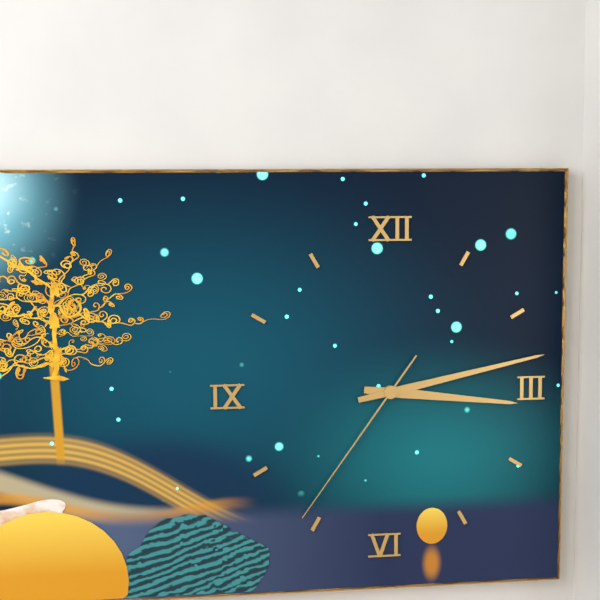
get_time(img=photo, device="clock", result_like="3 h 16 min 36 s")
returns 3 h 13 min 36 s
